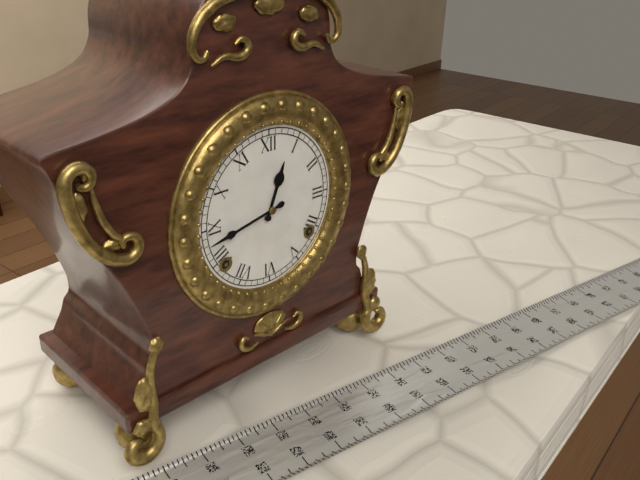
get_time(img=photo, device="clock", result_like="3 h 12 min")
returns 12 h 43 min
